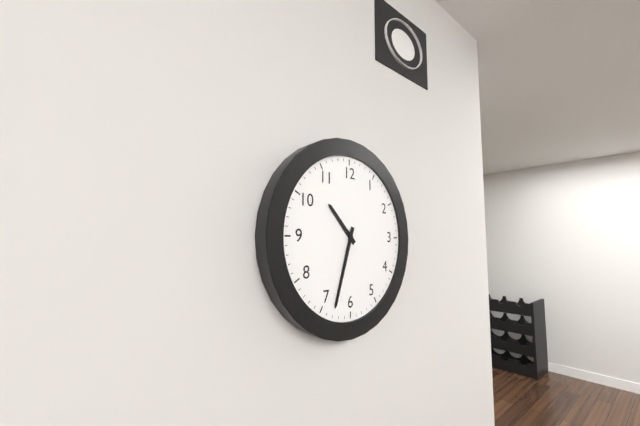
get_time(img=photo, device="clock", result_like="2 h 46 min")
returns 10 h 33 min
